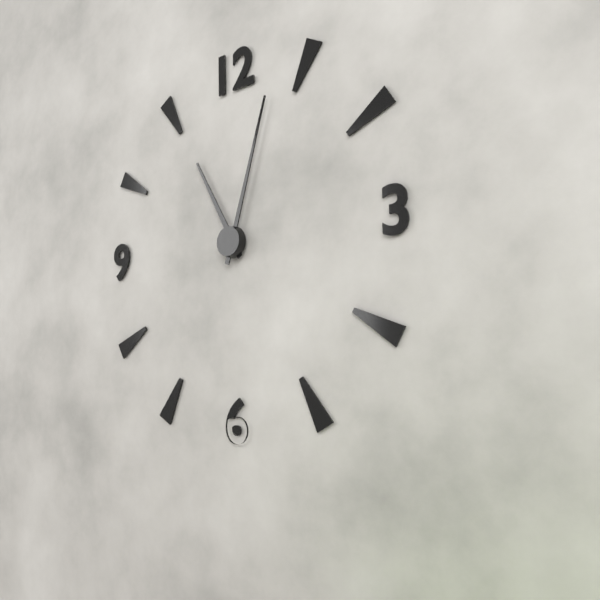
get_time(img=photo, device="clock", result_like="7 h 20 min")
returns 11 h 03 min
